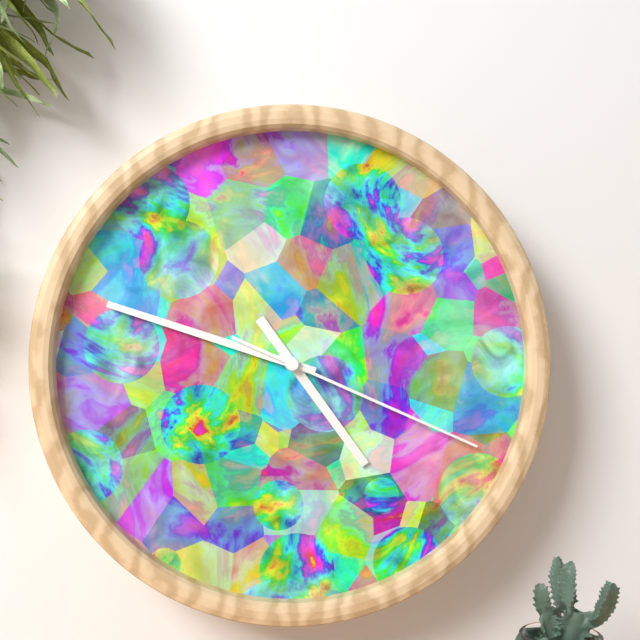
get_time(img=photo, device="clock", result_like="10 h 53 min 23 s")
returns 4 h 48 min 19 s
